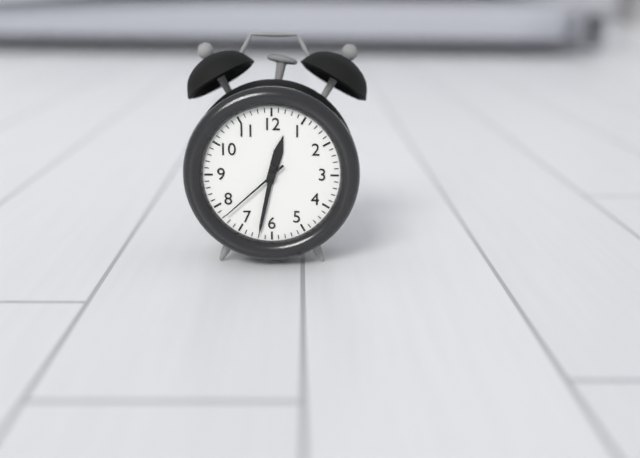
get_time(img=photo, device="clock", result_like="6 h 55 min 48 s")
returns 12 h 32 min 38 s
